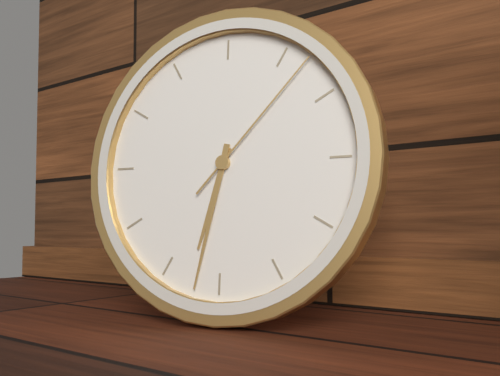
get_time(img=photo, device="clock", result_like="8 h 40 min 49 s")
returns 6 h 32 min 07 s
